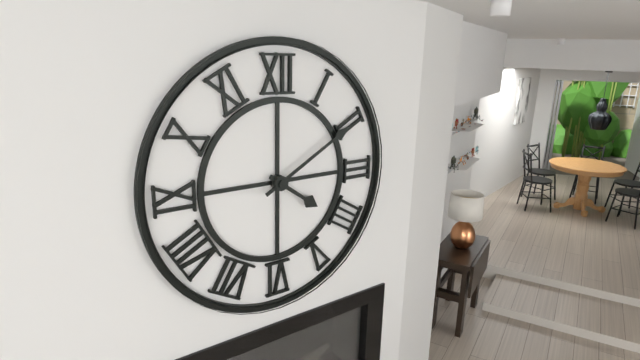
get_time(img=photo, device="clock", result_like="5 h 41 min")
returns 4 h 10 min
